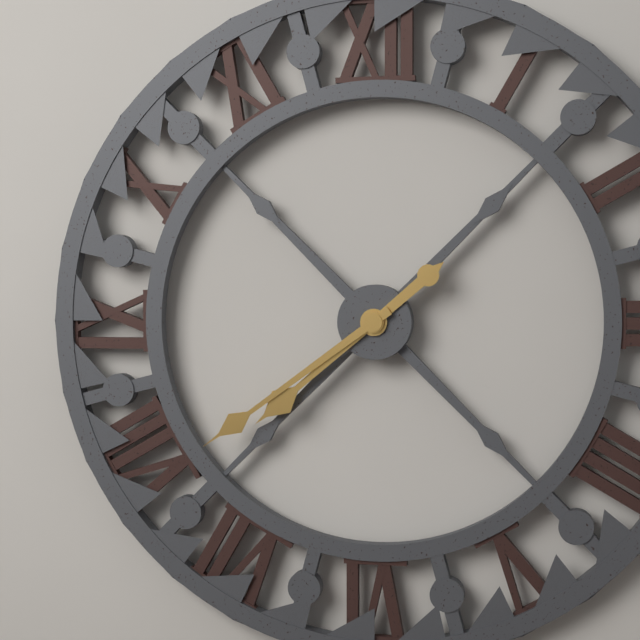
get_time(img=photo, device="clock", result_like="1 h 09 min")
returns 7 h 39 min
